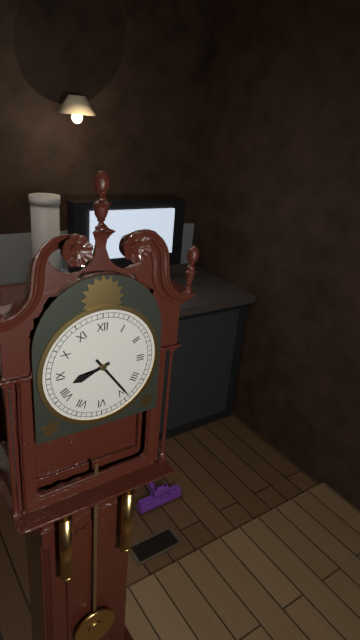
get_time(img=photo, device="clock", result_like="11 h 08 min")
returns 8 h 24 min
